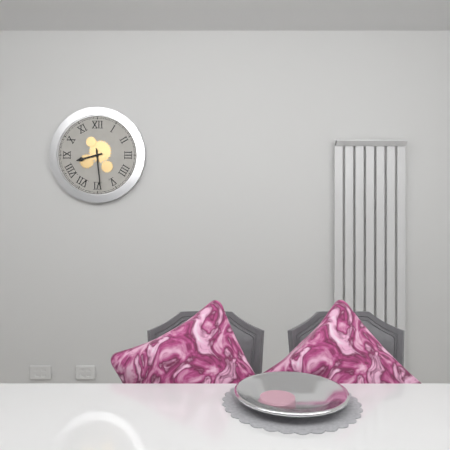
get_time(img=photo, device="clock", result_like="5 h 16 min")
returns 8 h 29 min
